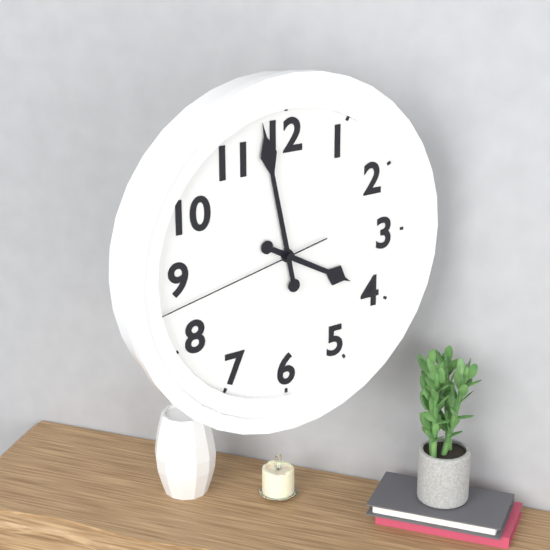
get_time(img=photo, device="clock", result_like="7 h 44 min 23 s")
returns 3 h 58 min 43 s
